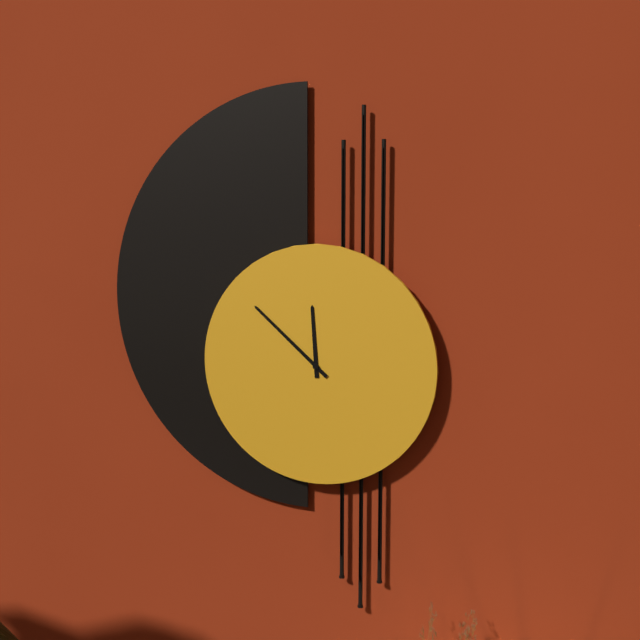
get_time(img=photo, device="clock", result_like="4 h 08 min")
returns 11 h 52 min
